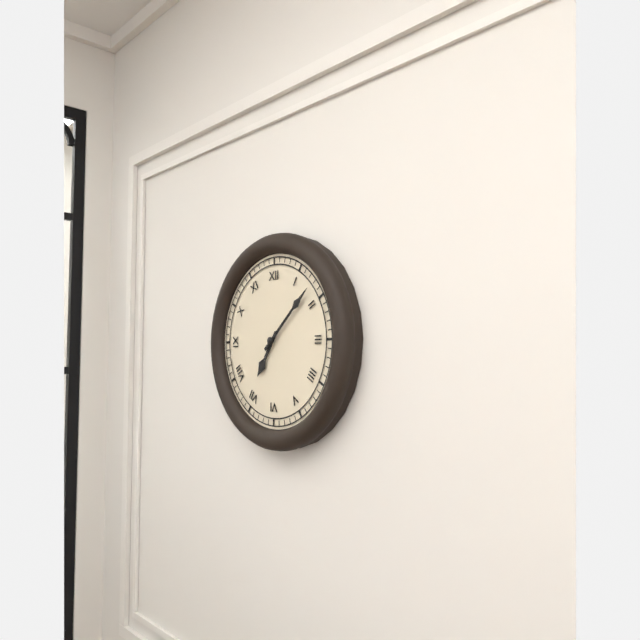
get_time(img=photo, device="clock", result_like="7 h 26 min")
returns 7 h 08 min
